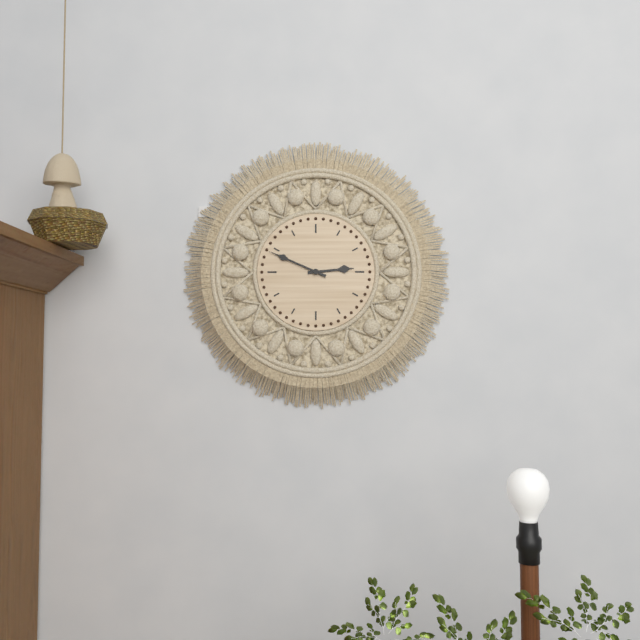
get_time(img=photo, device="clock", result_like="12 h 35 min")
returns 2 h 49 min
